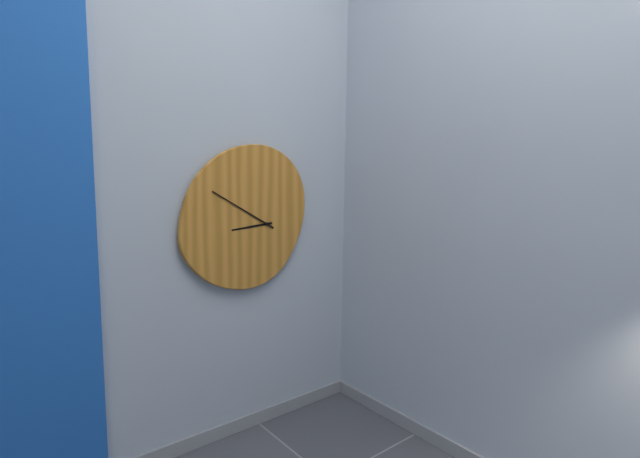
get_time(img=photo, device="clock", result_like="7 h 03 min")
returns 8 h 50 min
